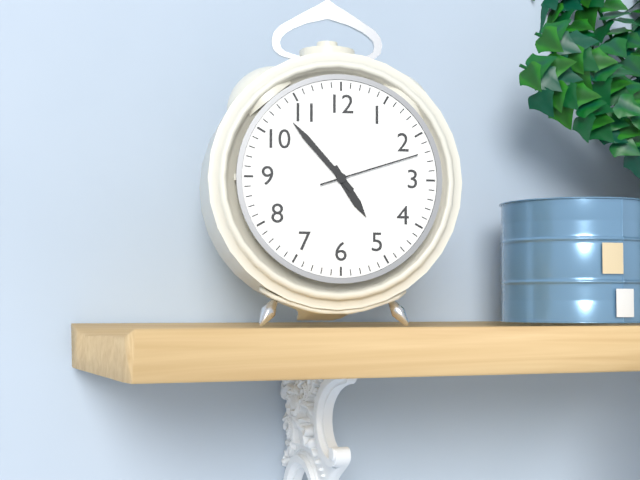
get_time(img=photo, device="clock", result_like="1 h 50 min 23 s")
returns 4 h 53 min 12 s
